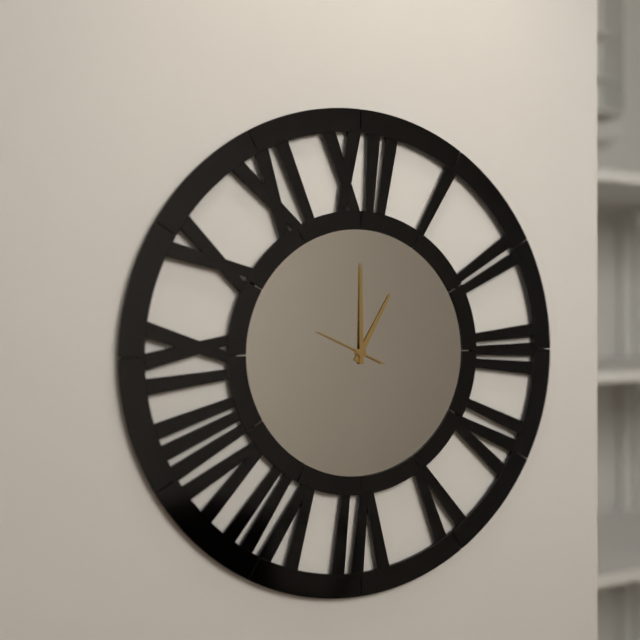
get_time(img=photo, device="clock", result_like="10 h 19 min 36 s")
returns 1 h 00 min 49 s
